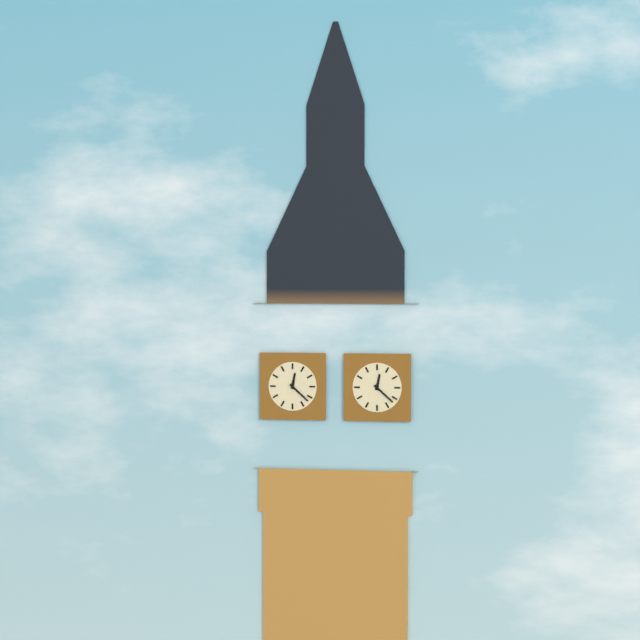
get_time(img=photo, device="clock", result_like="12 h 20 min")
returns 12 h 22 min
